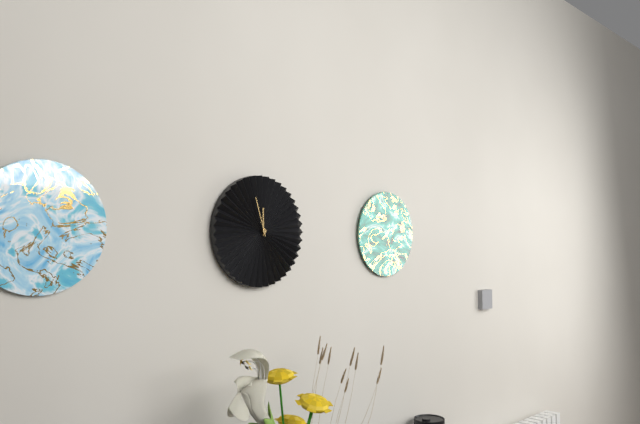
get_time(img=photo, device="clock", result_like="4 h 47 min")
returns 11 h 57 min
